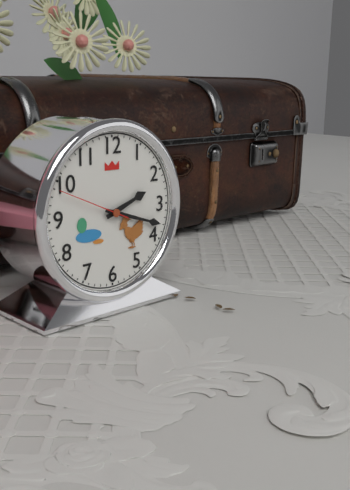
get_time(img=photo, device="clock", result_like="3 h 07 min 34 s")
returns 2 h 18 min 49 s
